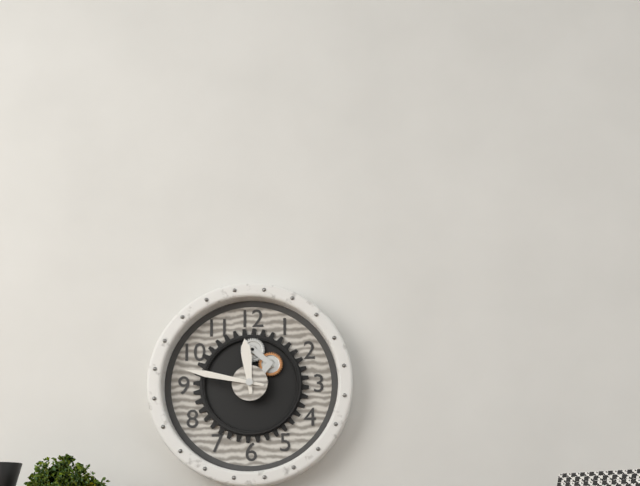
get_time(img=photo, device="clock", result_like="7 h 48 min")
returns 11 h 47 min
